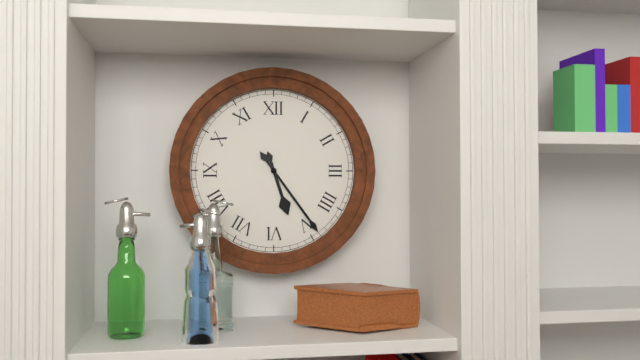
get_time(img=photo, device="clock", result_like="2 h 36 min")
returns 5 h 24 min
